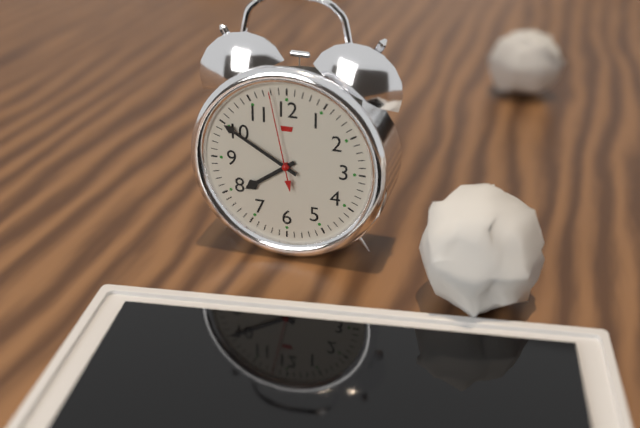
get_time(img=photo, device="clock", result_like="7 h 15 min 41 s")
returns 7 h 50 min 58 s
